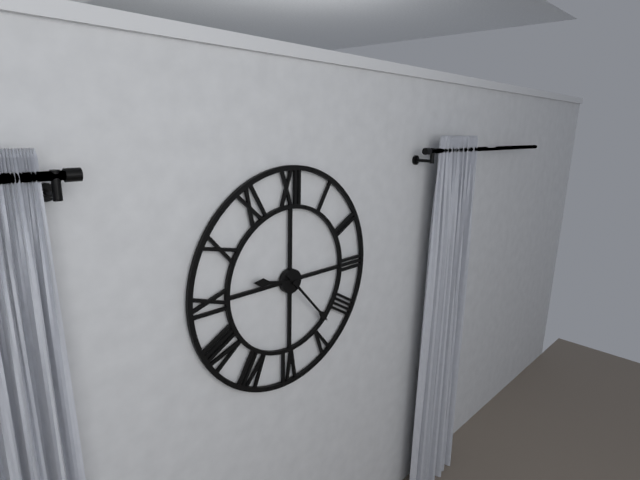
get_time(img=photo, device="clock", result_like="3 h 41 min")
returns 9 h 23 min
